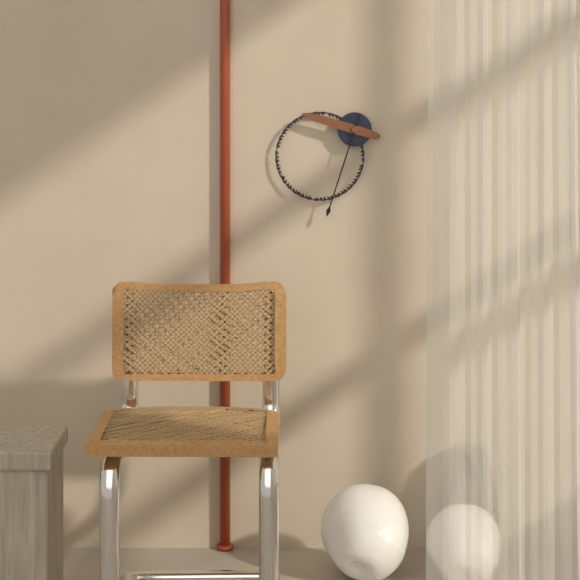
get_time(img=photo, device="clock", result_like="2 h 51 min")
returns 9 h 33 min
